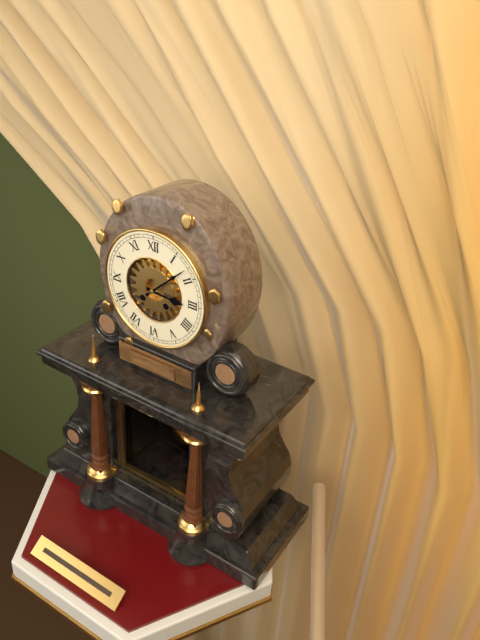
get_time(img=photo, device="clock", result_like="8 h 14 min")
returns 3 h 08 min
